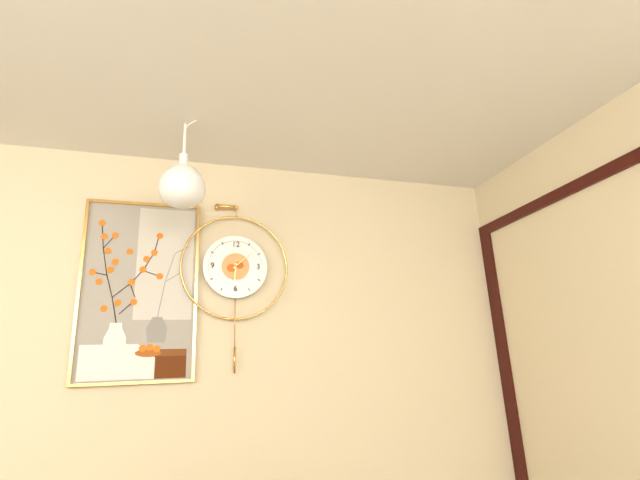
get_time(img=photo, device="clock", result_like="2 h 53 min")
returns 6 h 08 min
